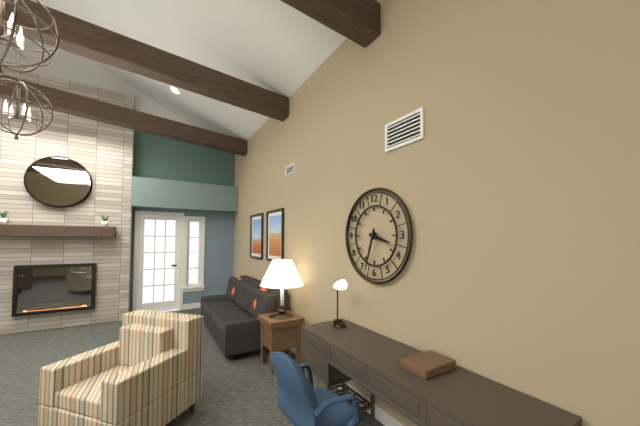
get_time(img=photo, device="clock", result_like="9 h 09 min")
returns 3 h 33 min
